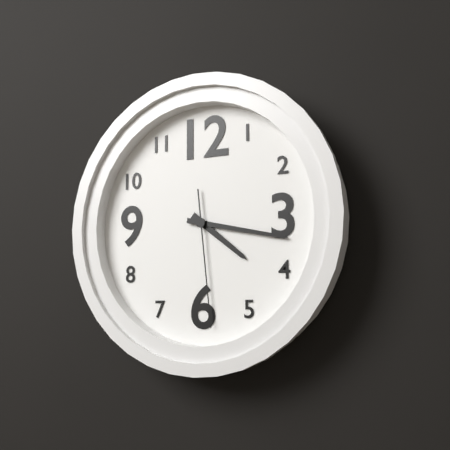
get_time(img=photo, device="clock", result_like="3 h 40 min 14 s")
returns 4 h 17 min 29 s
